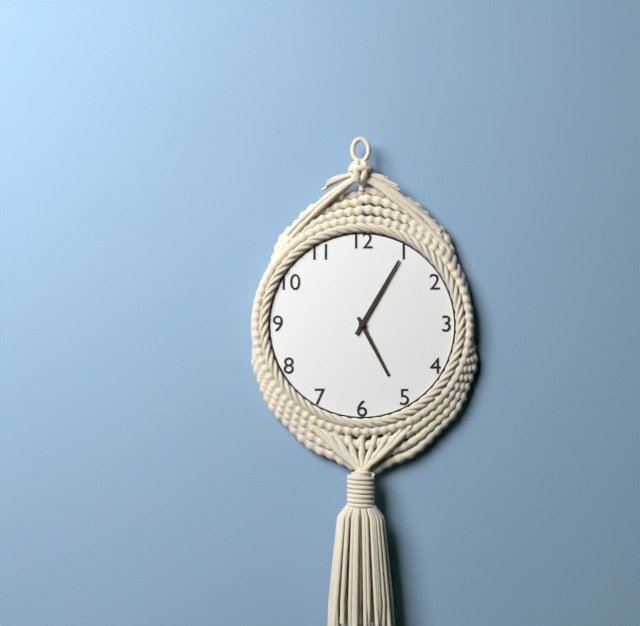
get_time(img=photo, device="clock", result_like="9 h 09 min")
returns 5 h 05 min
